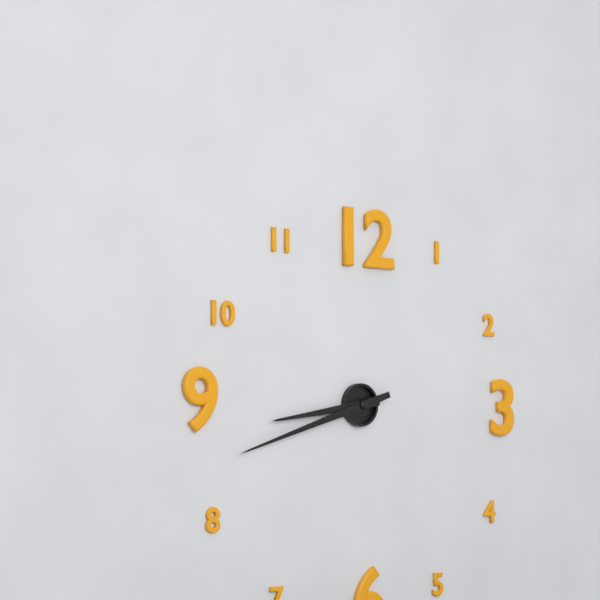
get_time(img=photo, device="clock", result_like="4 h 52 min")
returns 8 h 42 min
